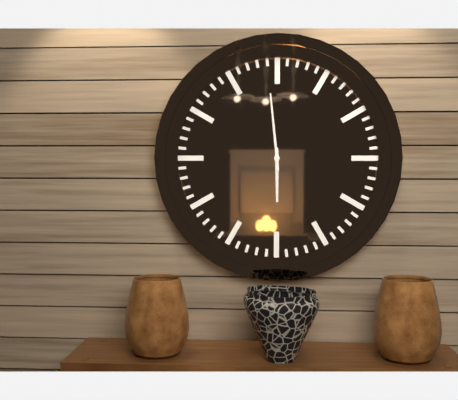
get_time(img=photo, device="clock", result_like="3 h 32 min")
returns 5 h 59 min
